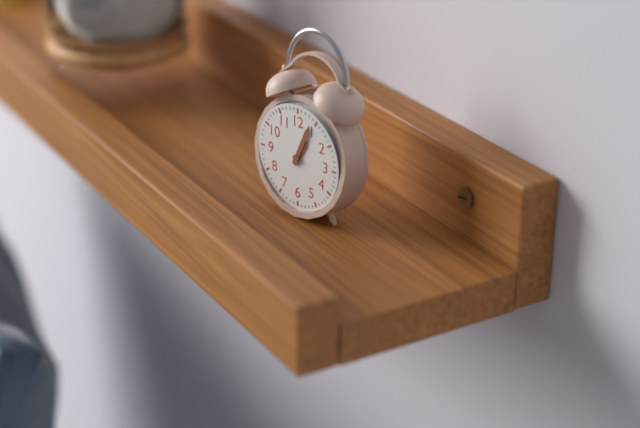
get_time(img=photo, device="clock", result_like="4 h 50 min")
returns 1 h 04 min
